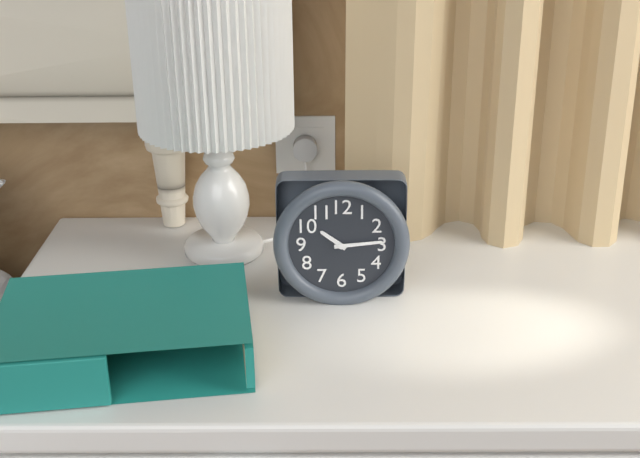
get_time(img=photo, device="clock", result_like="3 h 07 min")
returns 10 h 14 min
